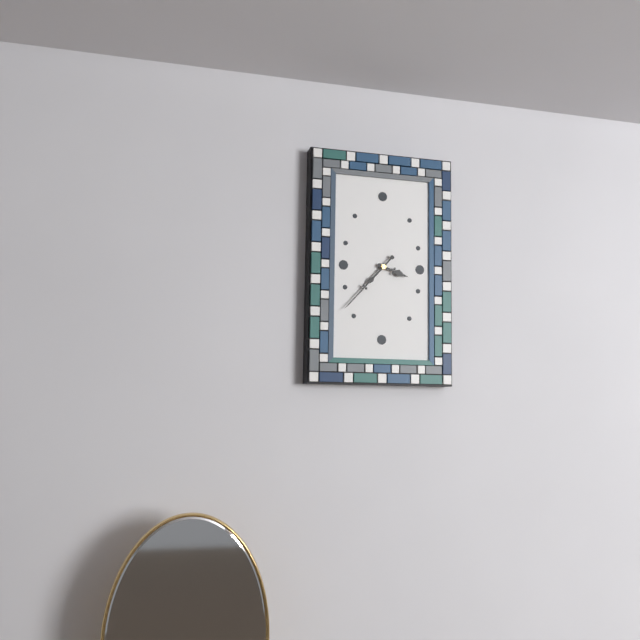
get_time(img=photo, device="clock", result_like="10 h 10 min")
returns 3 h 37 min
